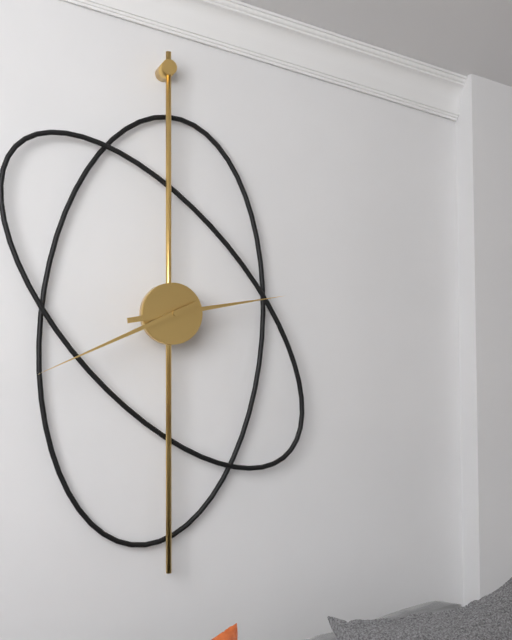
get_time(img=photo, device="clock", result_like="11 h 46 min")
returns 2 h 41 min
